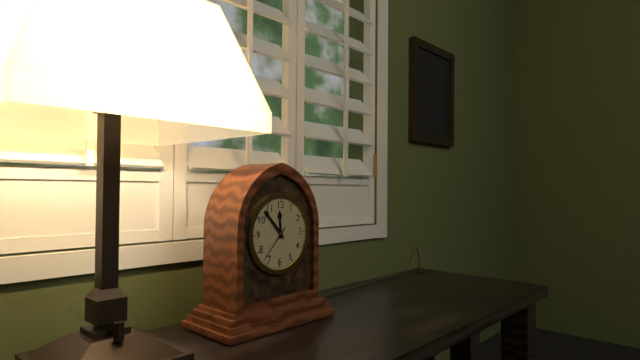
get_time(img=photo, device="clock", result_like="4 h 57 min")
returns 11 h 53 min
